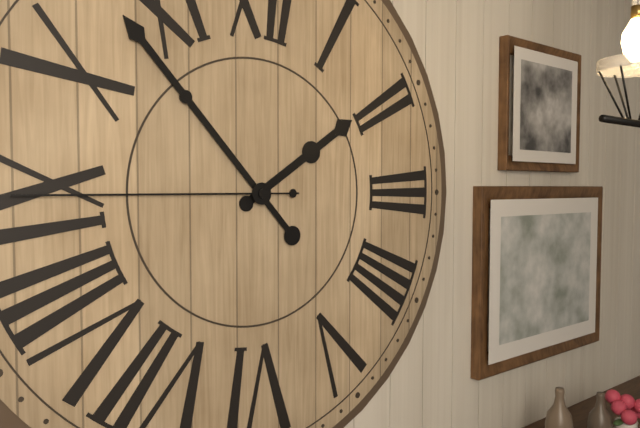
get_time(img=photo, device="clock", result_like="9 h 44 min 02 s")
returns 1 h 53 min 45 s
